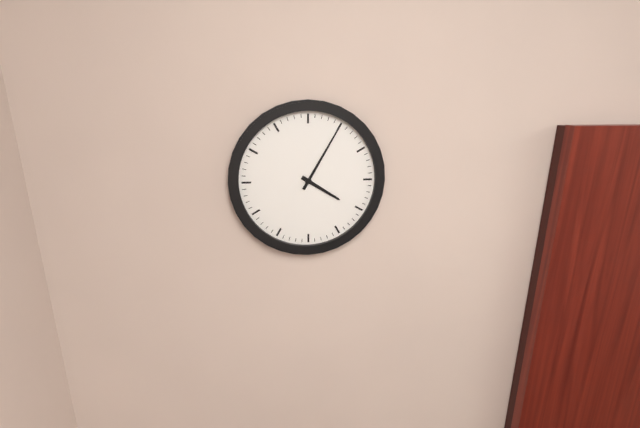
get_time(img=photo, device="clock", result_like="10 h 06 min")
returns 4 h 05 min
